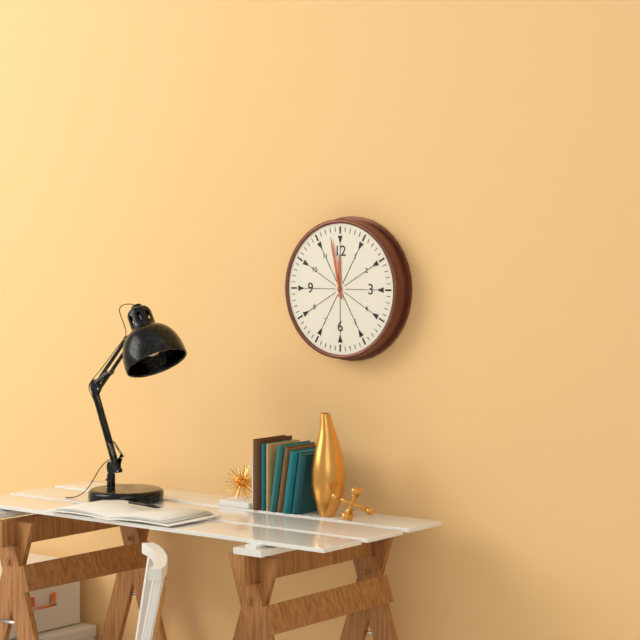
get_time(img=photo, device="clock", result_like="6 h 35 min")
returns 11 h 58 min
